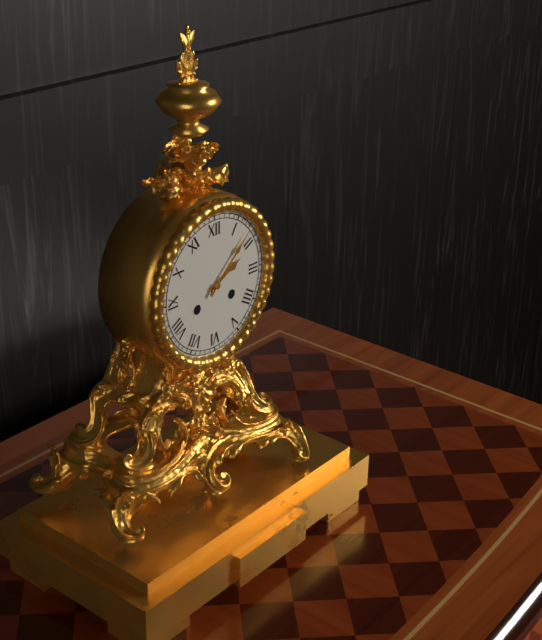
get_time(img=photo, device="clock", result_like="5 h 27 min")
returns 2 h 08 min
